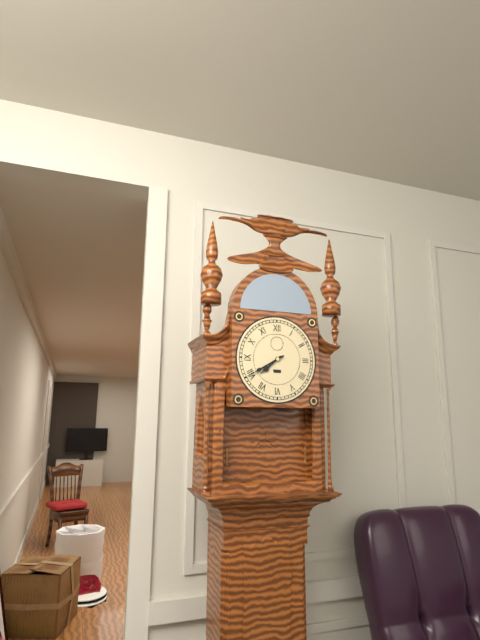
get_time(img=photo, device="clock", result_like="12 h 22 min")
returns 7 h 40 min
